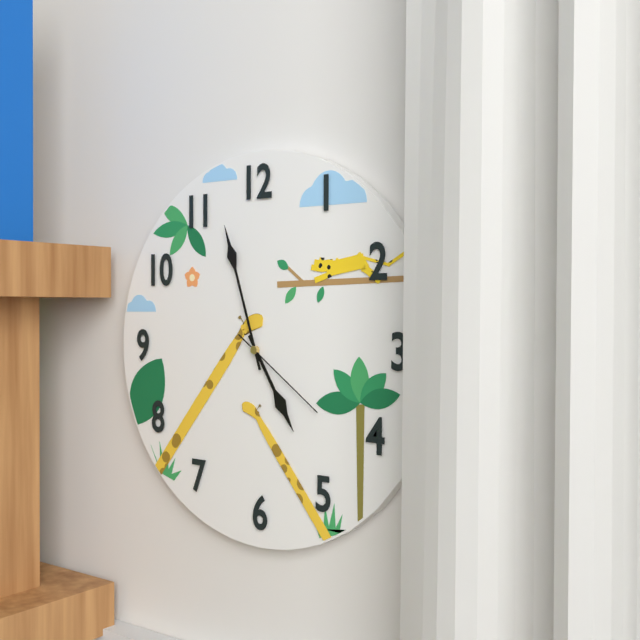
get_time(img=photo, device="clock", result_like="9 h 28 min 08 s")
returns 4 h 57 min 21 s
